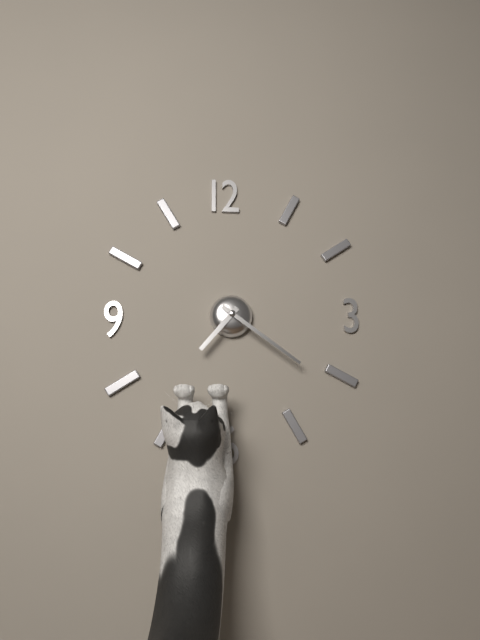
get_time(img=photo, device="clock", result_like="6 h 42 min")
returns 7 h 21 min
